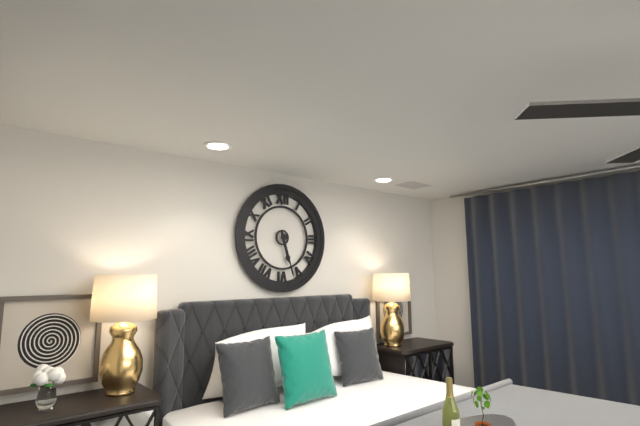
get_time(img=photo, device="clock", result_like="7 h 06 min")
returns 5 h 27 min
